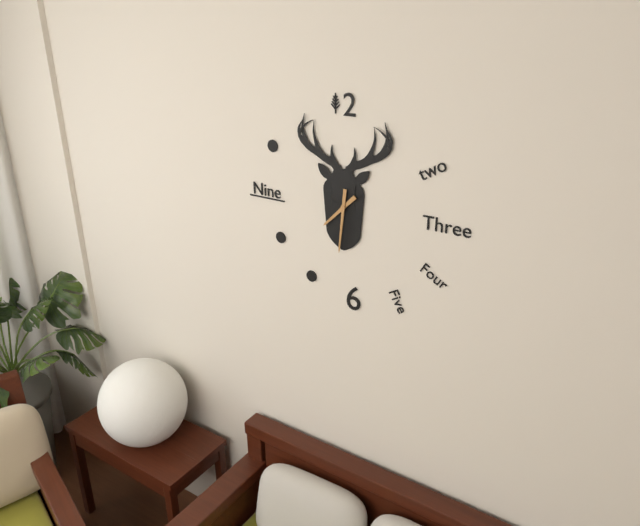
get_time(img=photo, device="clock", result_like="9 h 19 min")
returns 7 h 31 min
